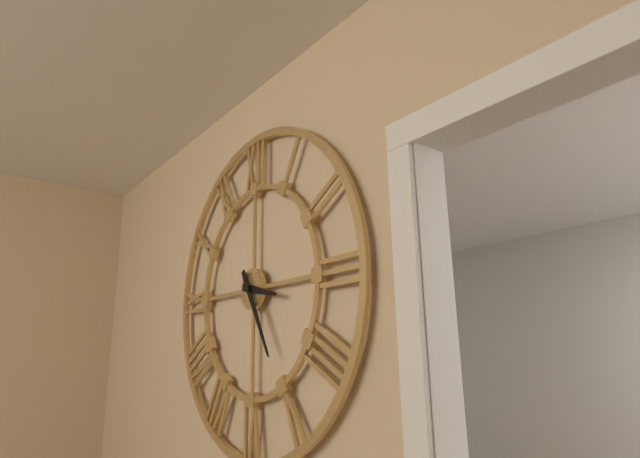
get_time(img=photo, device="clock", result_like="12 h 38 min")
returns 3 h 25 min
